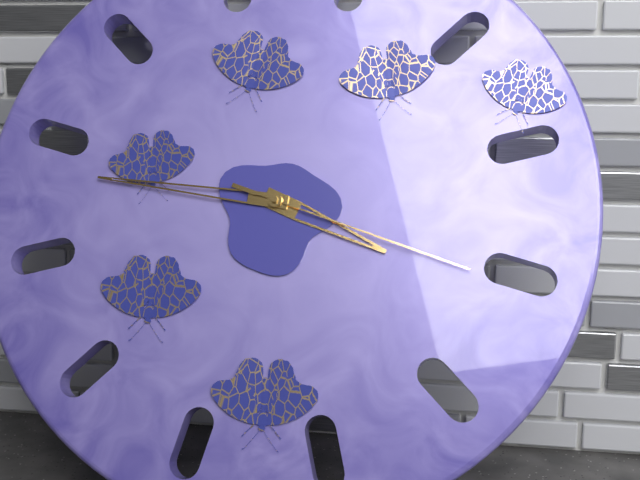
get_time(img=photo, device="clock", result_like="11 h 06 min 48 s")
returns 3 h 46 min 18 s
